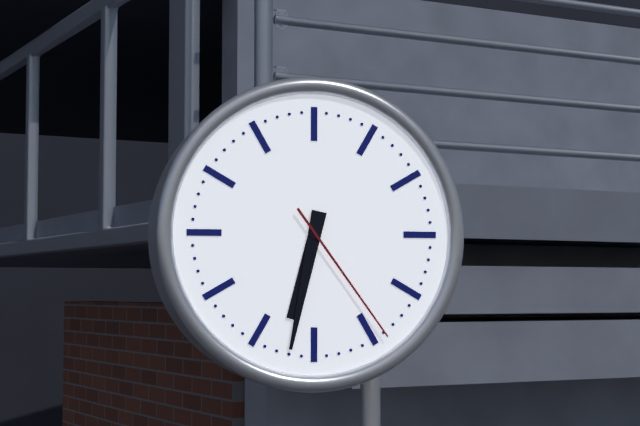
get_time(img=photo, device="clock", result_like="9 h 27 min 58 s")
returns 6 h 32 min 24 s
